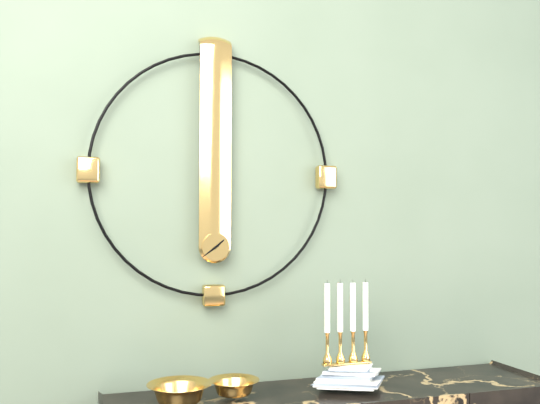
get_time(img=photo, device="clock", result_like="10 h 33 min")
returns 1 h 39 min
